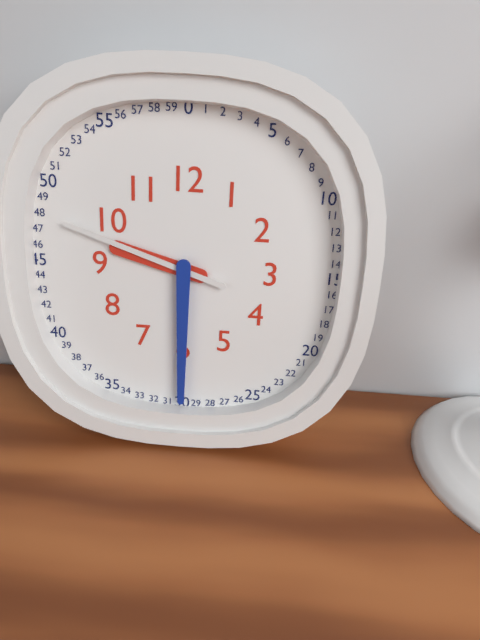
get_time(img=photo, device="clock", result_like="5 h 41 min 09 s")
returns 9 h 30 min 48 s
